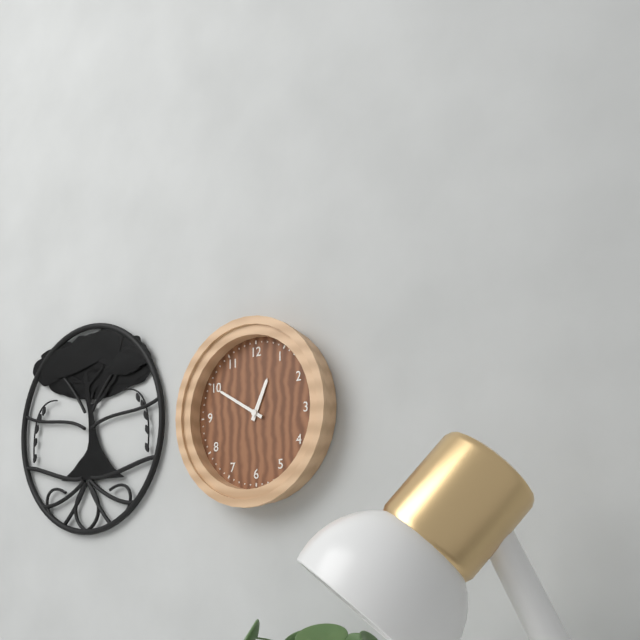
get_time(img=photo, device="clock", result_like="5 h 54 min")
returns 12 h 50 min
